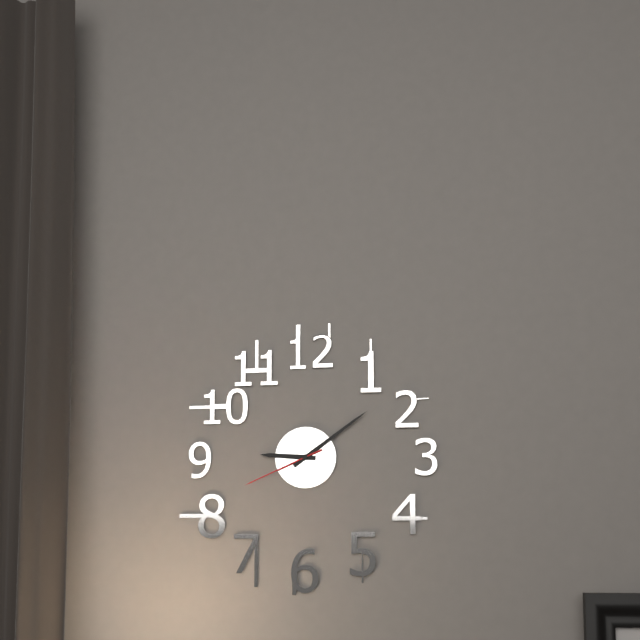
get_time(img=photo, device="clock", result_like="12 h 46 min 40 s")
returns 9 h 09 min 41 s
